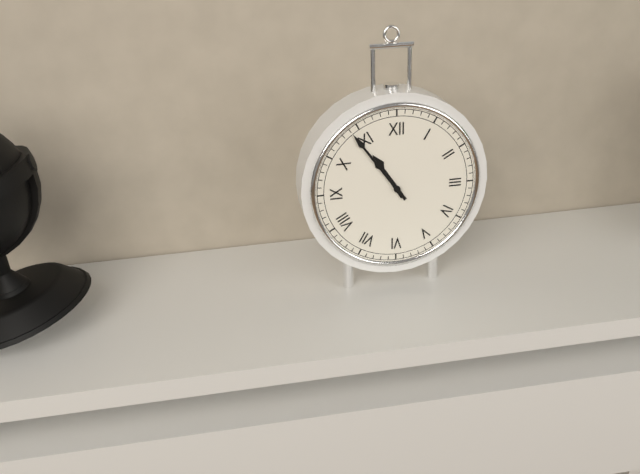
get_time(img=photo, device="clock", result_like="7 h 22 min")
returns 10 h 54 min
